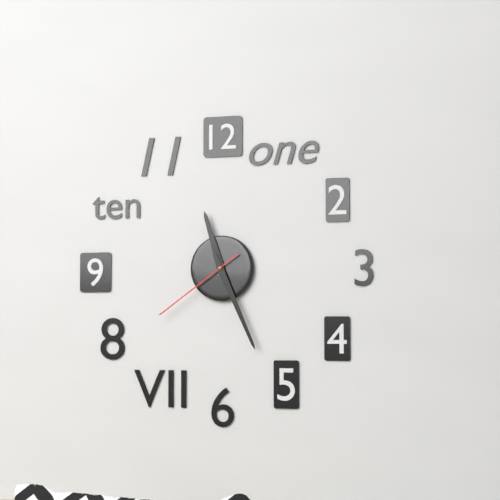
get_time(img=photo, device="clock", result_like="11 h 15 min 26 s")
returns 11 h 26 min 39 s
